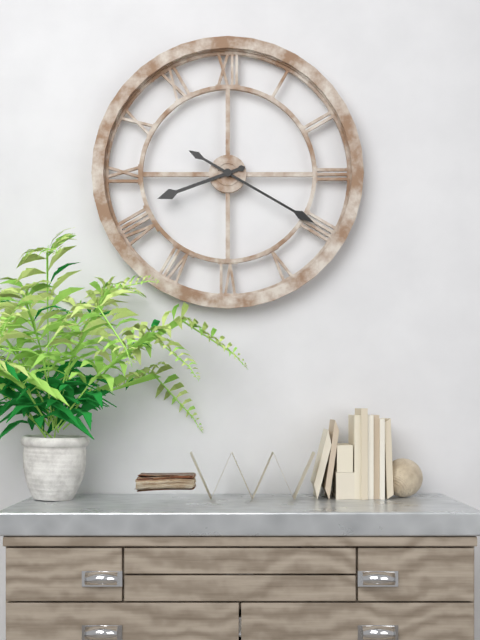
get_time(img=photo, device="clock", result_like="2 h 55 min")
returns 8 h 20 min
